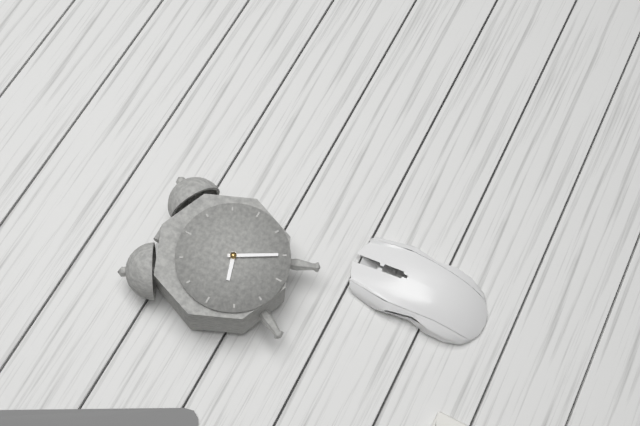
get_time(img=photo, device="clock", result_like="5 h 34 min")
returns 8 h 25 min
